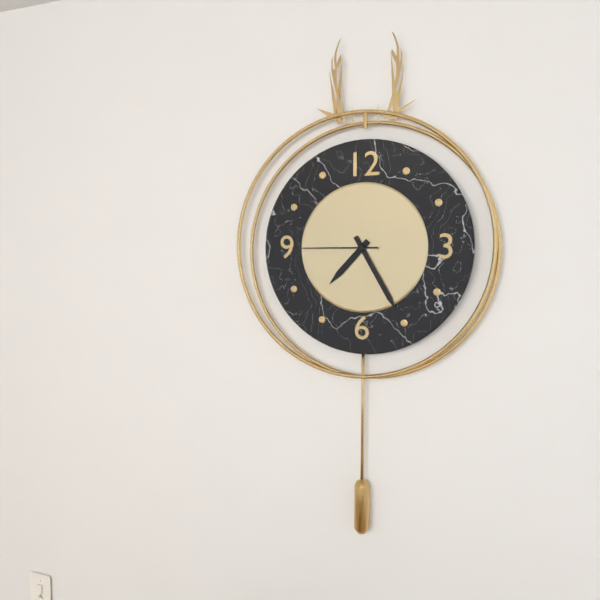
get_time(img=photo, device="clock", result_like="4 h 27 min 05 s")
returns 7 h 25 min 45 s
